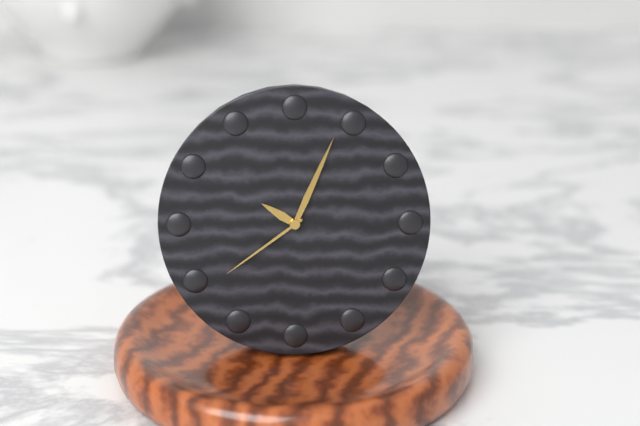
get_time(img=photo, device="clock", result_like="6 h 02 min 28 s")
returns 10 h 04 min 39 s
